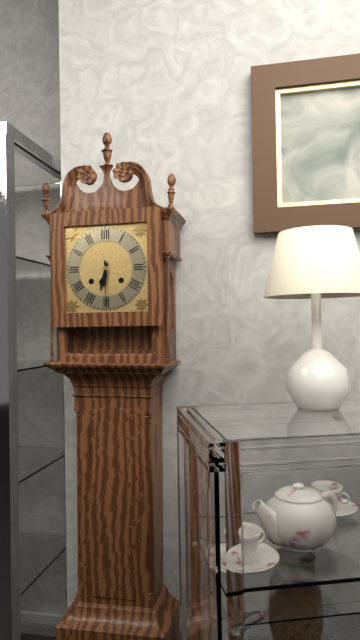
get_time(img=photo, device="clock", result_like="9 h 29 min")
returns 6 h 30 min
